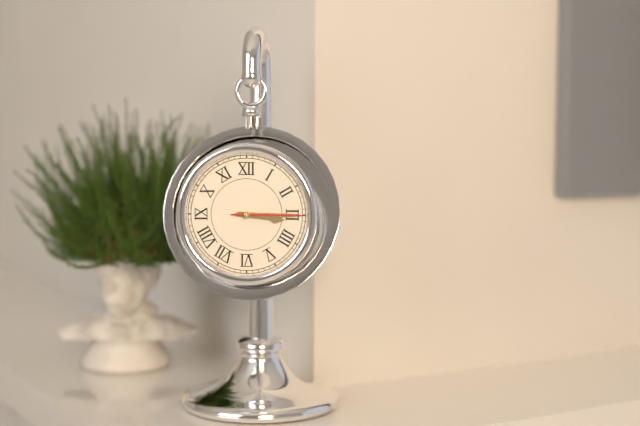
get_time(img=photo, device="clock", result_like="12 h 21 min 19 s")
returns 3 h 15 min 15 s
